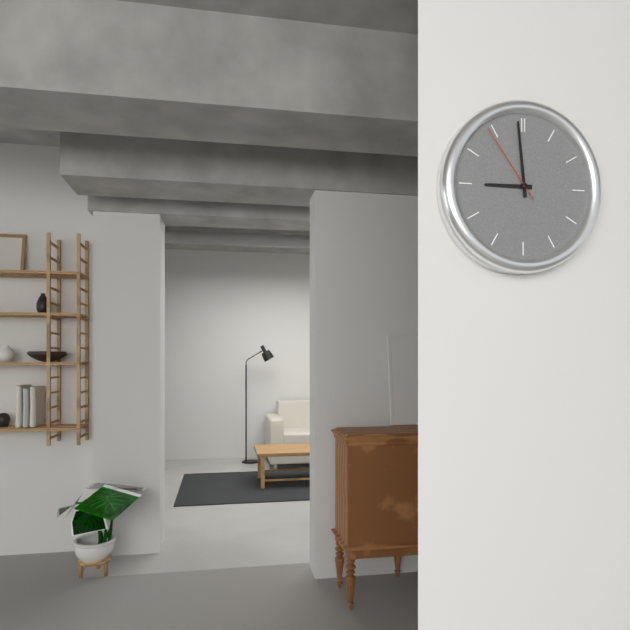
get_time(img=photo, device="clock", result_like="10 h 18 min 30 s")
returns 8 h 59 min 54 s
